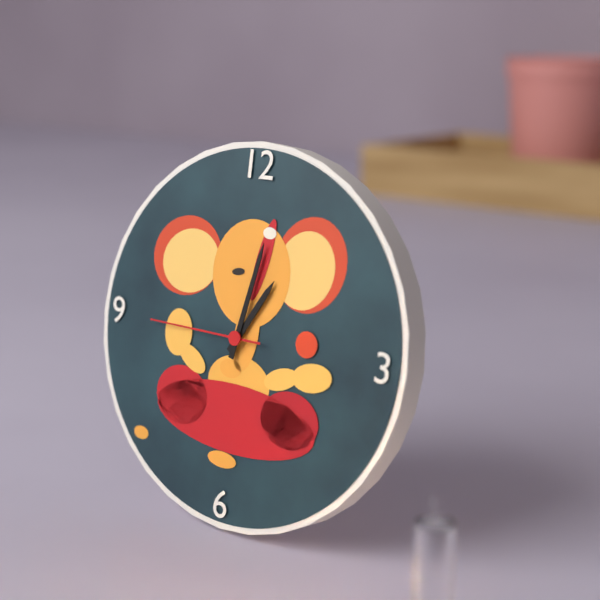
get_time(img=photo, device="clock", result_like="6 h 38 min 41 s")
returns 1 h 02 min 45 s
